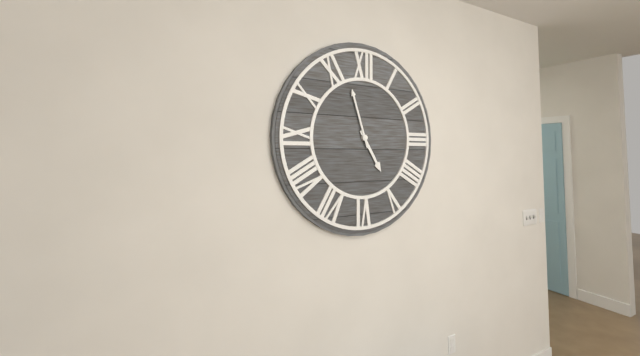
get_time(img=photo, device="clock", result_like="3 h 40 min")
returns 4 h 57 min
